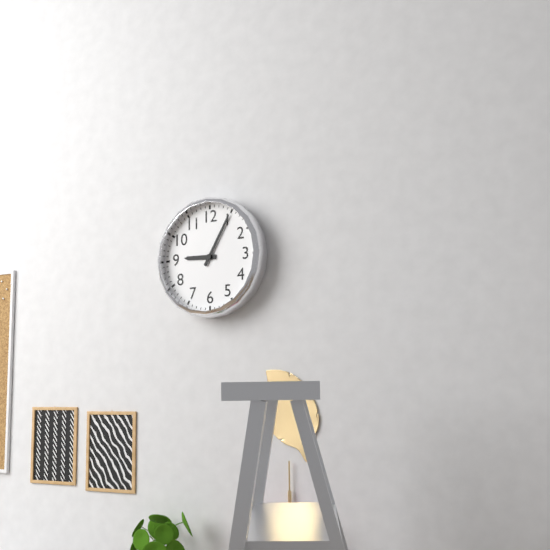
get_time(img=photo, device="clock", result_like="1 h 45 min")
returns 9 h 05 min
